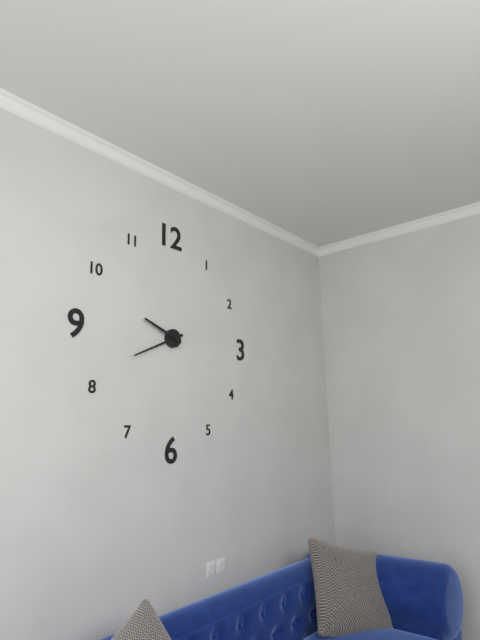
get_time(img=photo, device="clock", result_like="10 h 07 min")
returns 9 h 41 min
